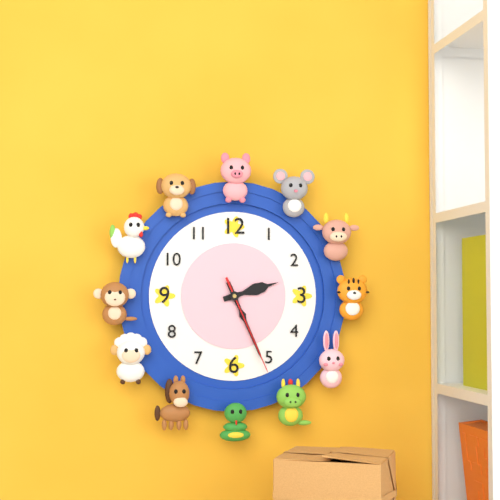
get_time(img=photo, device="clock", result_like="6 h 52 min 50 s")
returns 2 h 26 min 26 s
